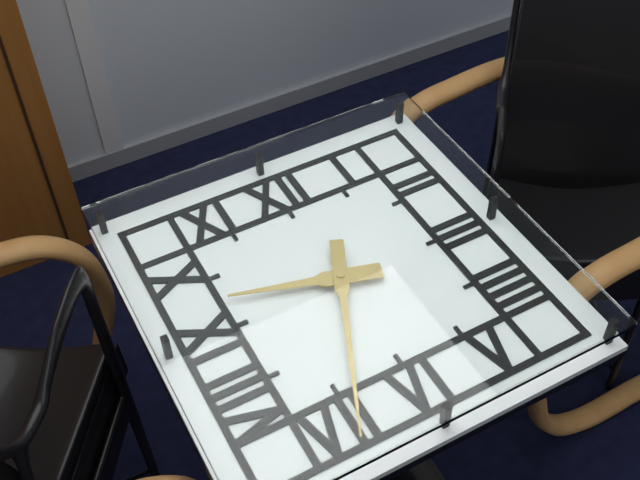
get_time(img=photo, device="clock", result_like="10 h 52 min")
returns 9 h 34 min
